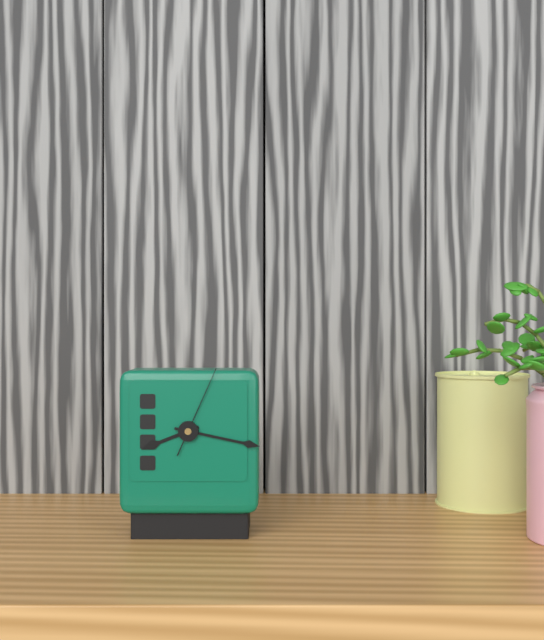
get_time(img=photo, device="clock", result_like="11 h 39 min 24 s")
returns 8 h 17 min 04 s
